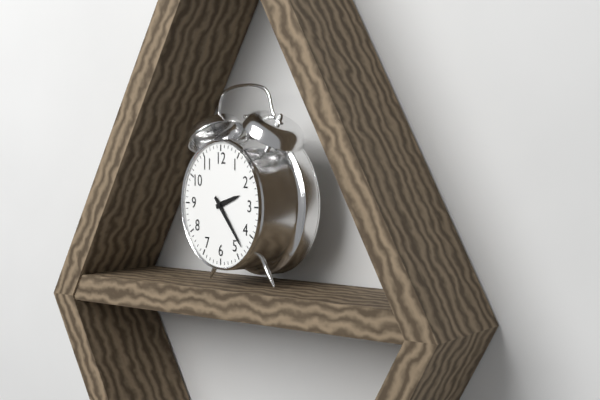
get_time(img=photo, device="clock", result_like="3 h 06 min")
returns 2 h 23 min
